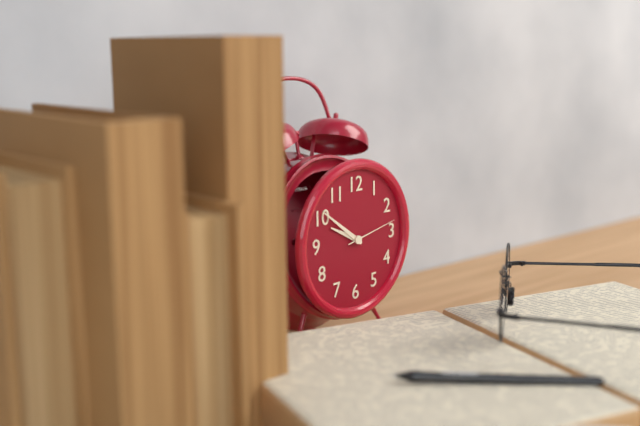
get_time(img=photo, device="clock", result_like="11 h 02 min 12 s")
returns 9 h 51 min 13 s
